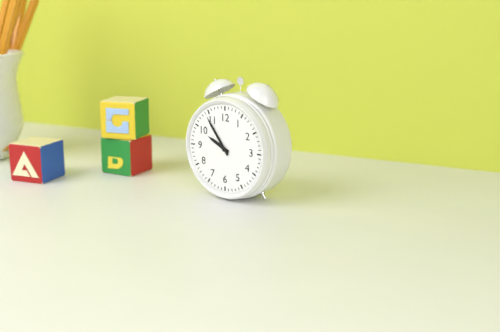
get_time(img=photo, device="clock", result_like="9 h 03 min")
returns 9 h 54 min
